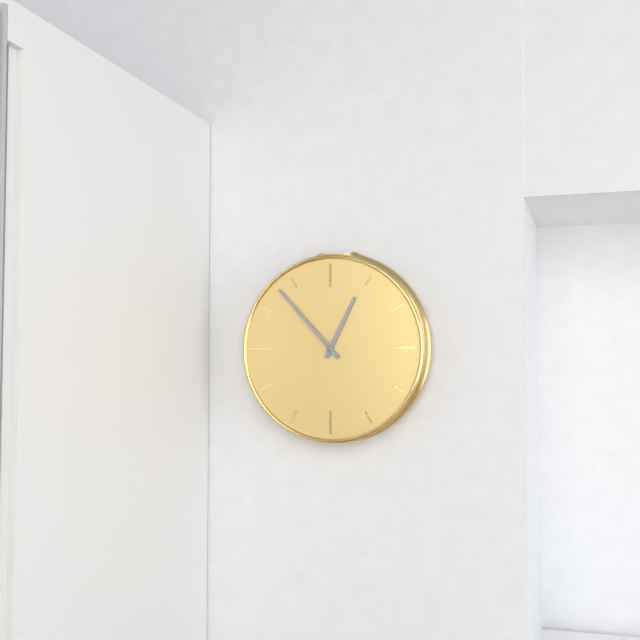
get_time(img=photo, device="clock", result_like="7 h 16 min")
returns 12 h 53 min
